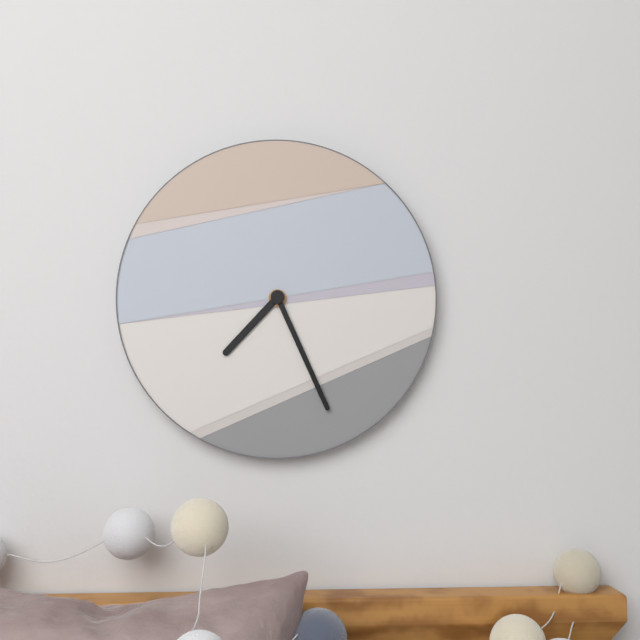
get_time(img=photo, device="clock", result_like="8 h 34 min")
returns 7 h 26 min
